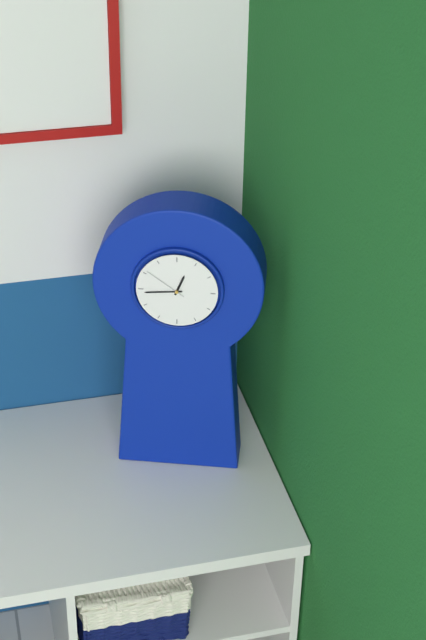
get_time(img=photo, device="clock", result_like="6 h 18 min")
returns 12 h 44 min
